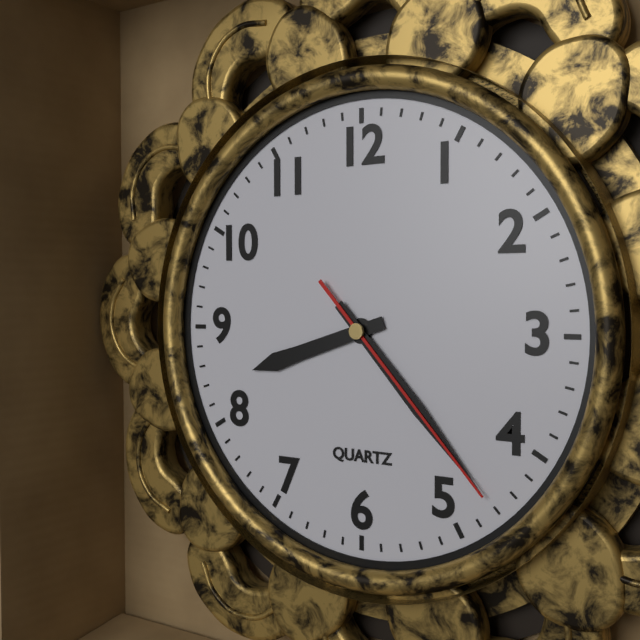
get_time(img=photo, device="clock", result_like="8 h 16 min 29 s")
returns 8 h 23 min 23 s
